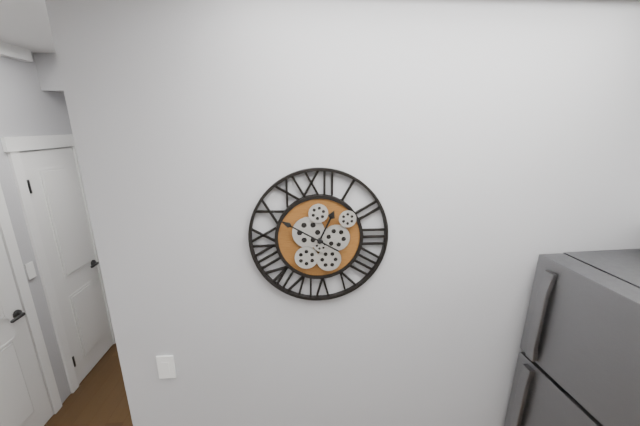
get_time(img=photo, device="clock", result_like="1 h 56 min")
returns 12 h 50 min
